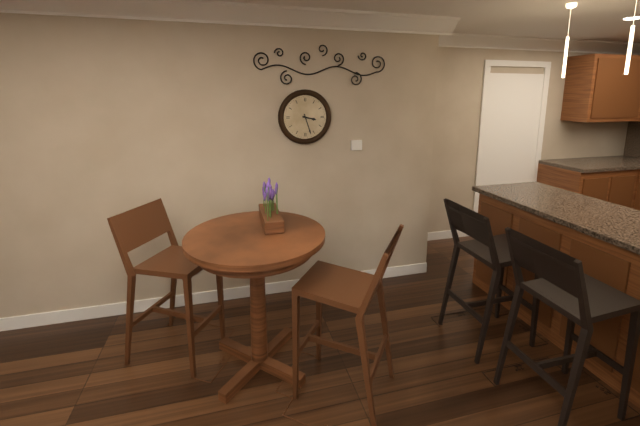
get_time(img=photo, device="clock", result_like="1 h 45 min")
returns 3 h 27 min
